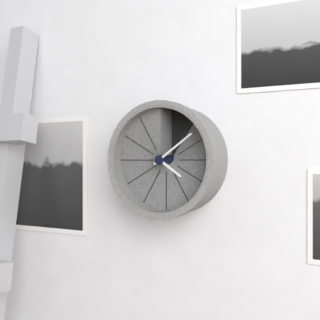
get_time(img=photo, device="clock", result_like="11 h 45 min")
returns 4 h 09 min
